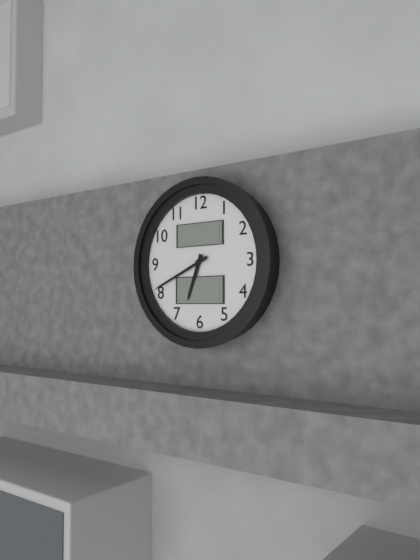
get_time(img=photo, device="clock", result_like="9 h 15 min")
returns 6 h 41 min
